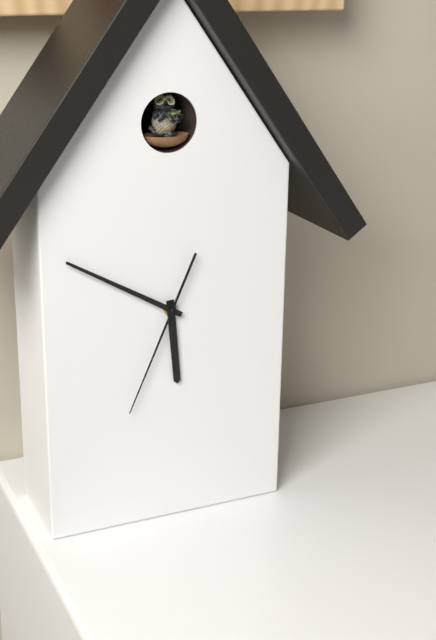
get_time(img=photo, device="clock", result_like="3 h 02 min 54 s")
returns 5 h 50 min 34 s
